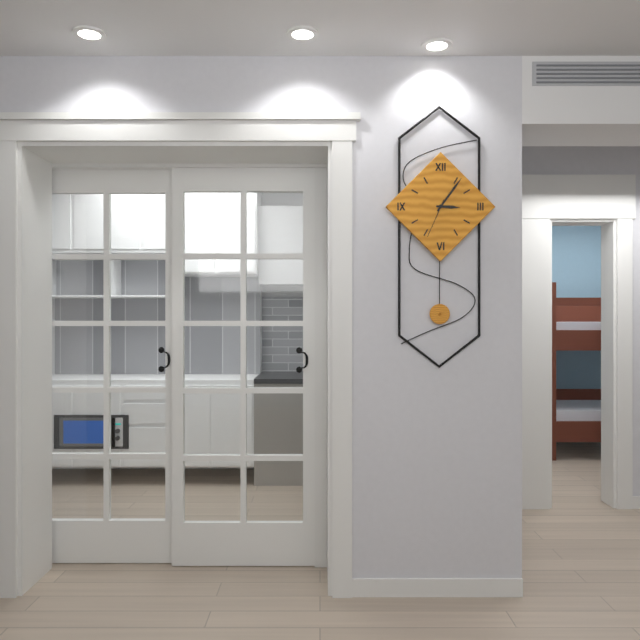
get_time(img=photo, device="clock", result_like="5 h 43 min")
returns 3 h 06 min
